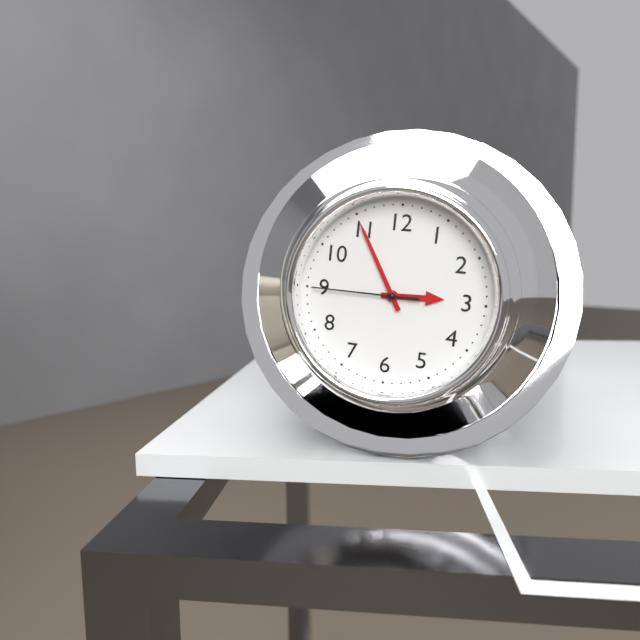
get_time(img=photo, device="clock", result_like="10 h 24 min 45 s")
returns 2 h 55 min 45 s
